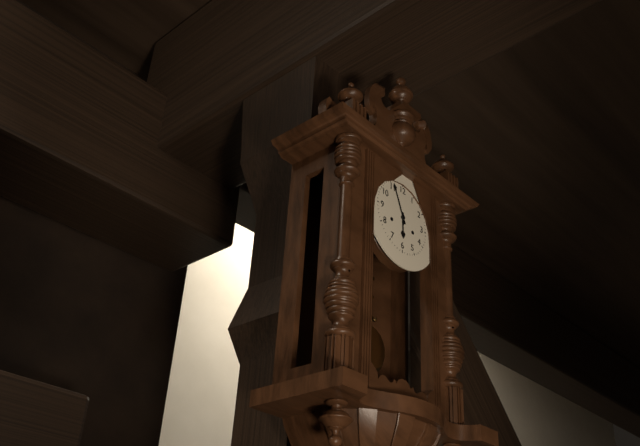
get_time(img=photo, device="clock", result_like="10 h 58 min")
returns 5 h 56 min
